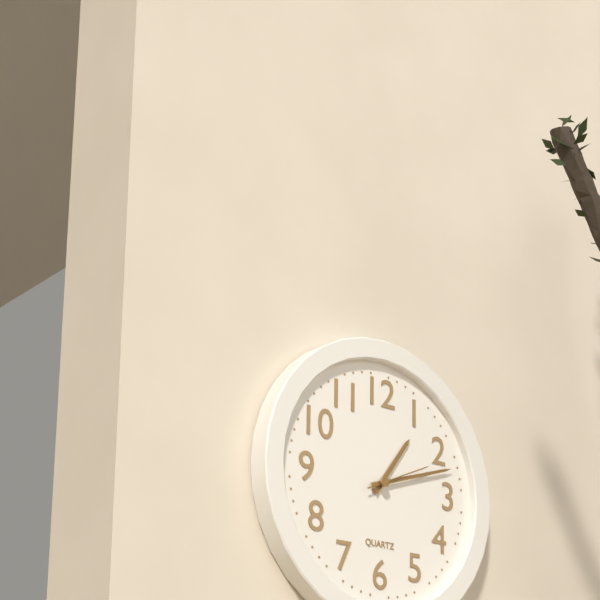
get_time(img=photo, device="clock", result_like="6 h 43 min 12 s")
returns 1 h 12 min 11 s
